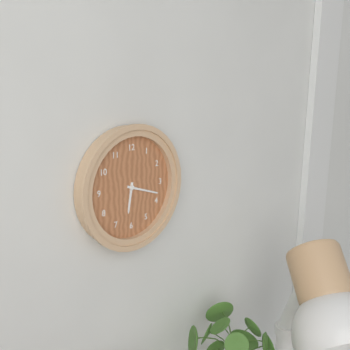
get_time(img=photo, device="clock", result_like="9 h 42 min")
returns 6 h 18 min
